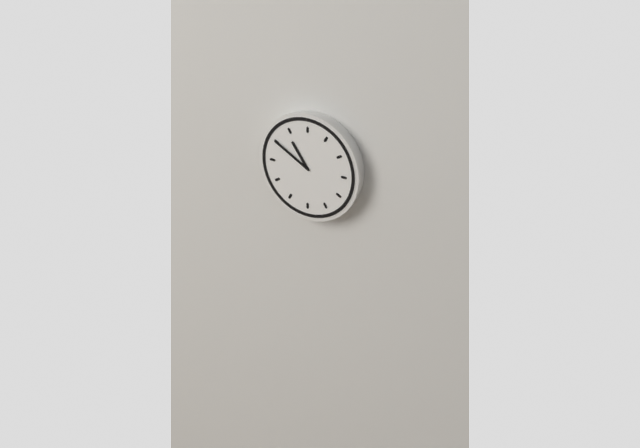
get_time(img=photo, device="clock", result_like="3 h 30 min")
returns 10 h 50 min
